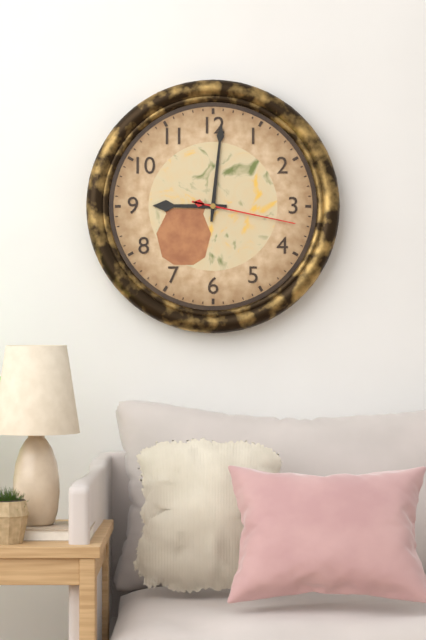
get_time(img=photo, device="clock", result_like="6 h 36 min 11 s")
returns 9 h 01 min 17 s
